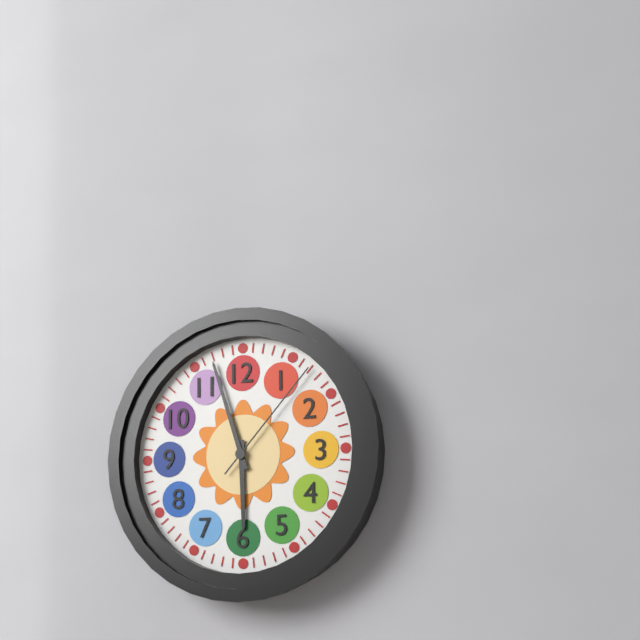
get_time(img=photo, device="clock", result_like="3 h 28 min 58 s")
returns 5 h 57 min 07 s
